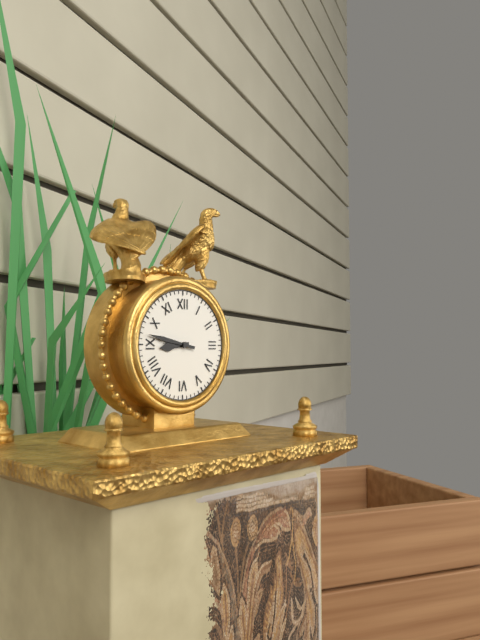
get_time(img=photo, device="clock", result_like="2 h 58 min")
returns 8 h 47 min
